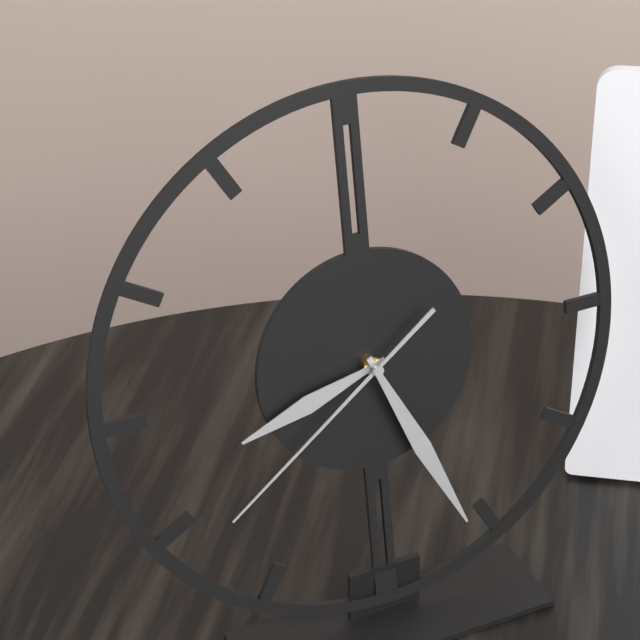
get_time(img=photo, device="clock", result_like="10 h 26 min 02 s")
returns 8 h 26 min 39 s
